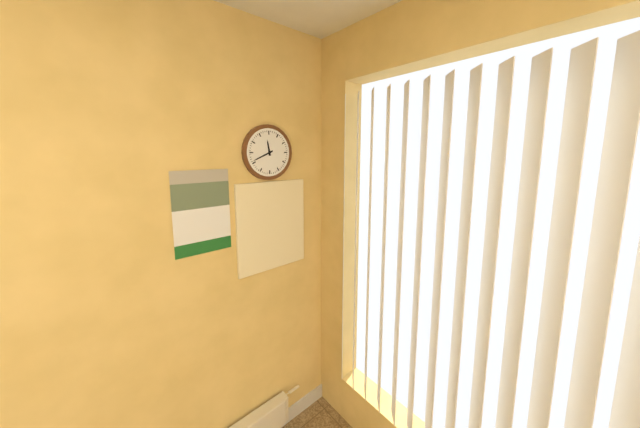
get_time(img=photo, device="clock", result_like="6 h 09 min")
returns 11 h 41 min
